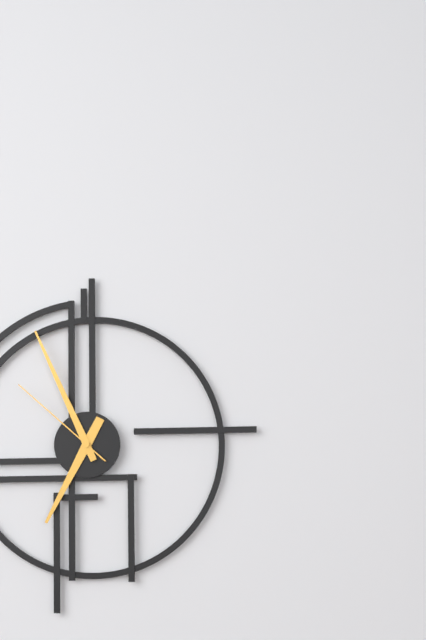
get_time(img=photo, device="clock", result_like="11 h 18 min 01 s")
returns 6 h 56 min 52 s
